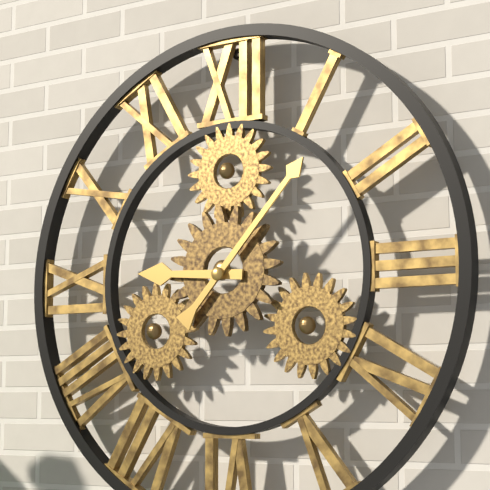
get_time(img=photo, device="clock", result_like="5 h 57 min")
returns 9 h 07 min
